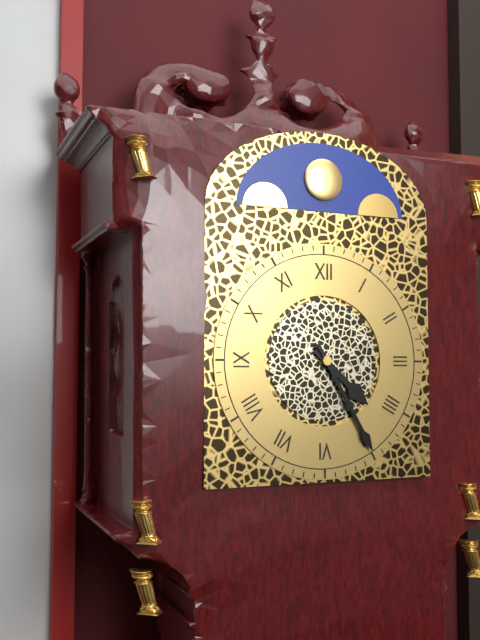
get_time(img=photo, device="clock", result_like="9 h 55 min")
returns 4 h 25 min
